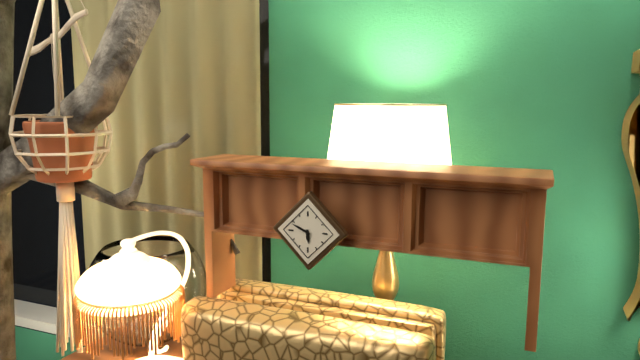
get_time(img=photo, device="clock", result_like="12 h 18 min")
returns 5 h 49 min
